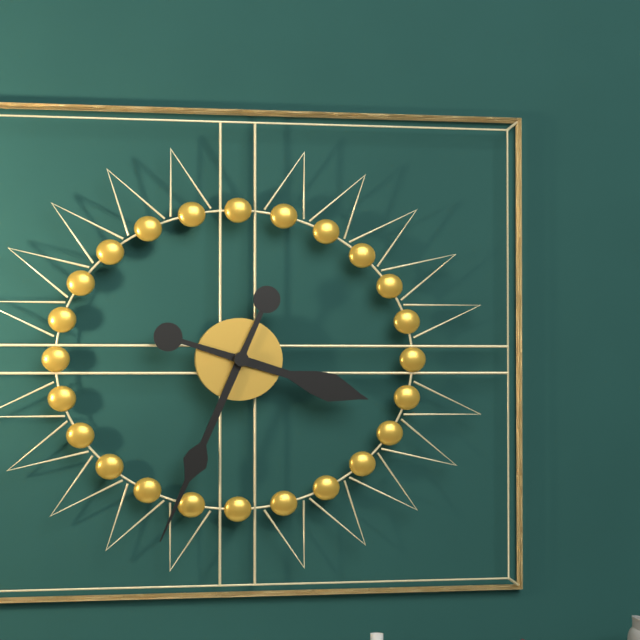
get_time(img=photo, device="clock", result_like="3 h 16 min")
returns 3 h 34 min
